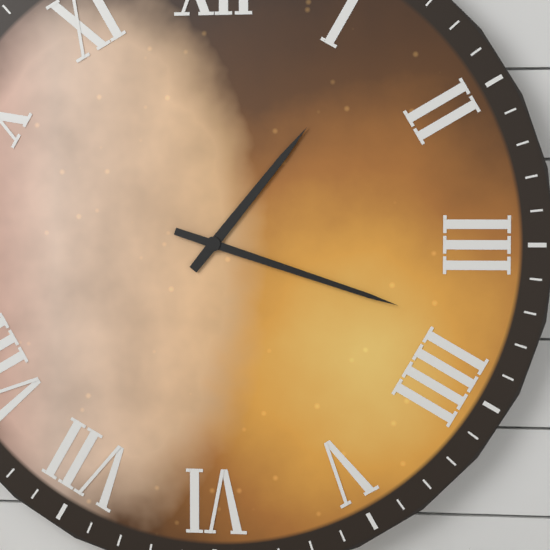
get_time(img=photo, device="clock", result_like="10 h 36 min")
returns 1 h 18 min
